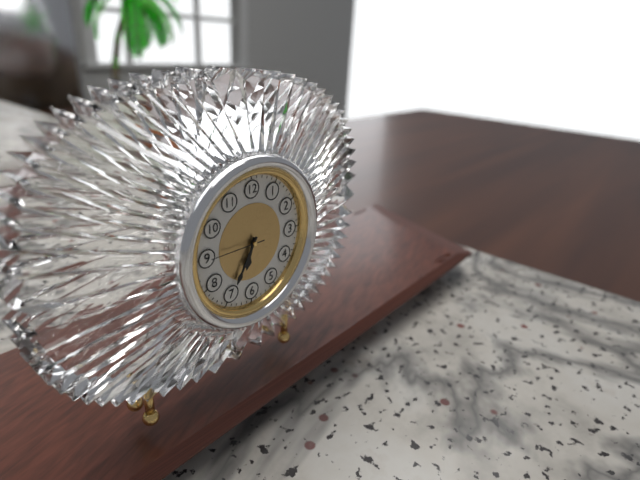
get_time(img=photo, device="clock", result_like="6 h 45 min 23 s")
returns 6 h 35 min 45 s
